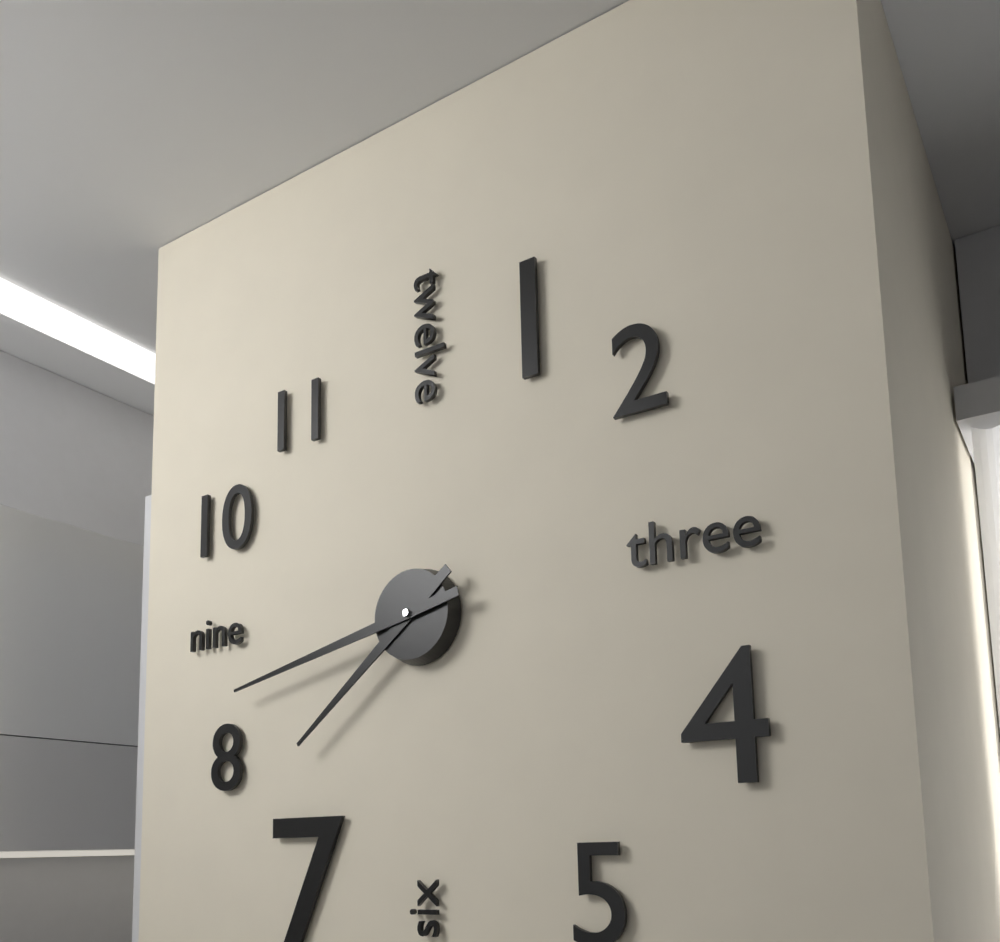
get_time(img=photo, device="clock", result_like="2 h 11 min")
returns 7 h 43 min
